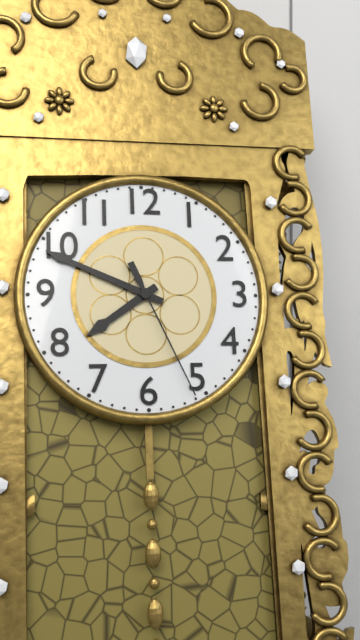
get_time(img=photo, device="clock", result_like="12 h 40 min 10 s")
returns 7 h 49 min 26 s
